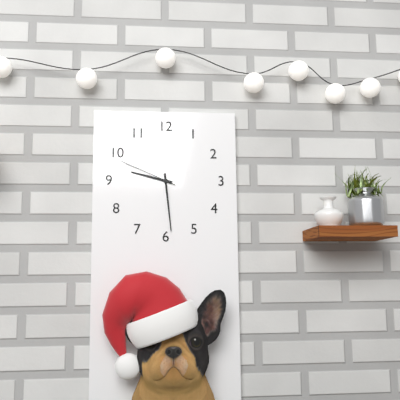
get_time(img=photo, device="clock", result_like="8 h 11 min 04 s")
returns 9 h 29 min 49 s
